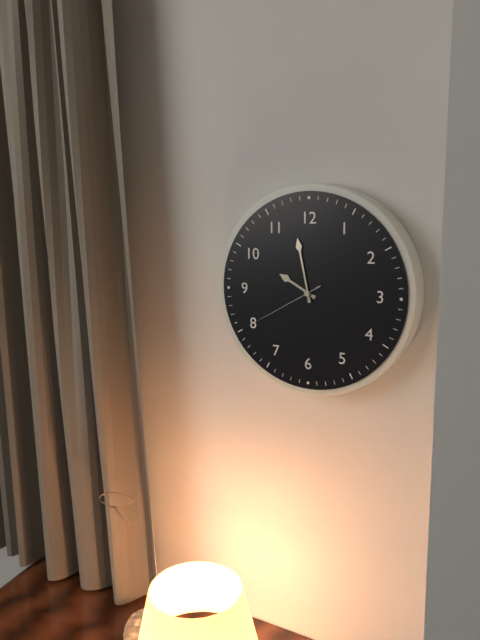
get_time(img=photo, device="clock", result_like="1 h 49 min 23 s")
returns 9 h 58 min 40 s
